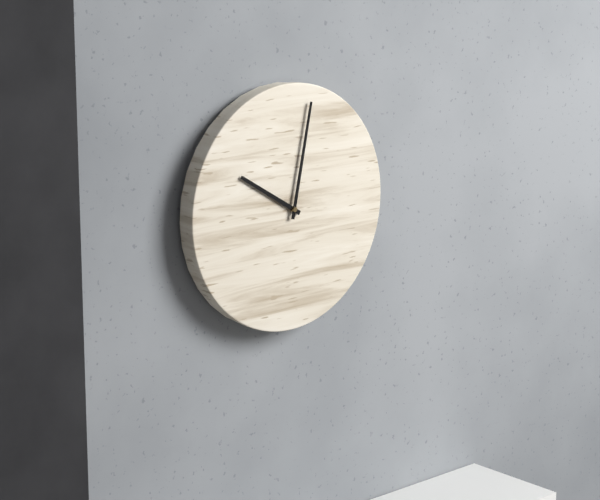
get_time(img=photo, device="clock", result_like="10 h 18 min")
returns 10 h 02 min
